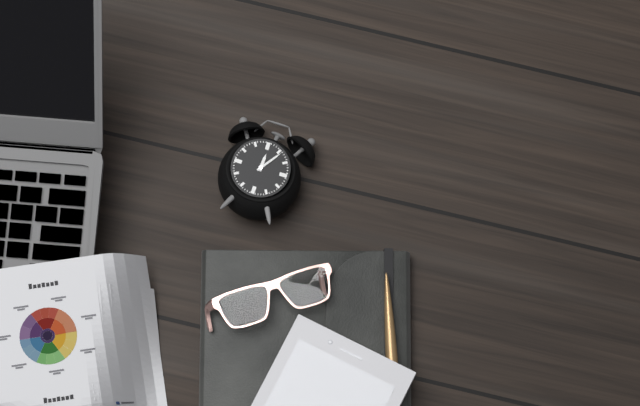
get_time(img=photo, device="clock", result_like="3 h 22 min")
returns 12 h 06 min
